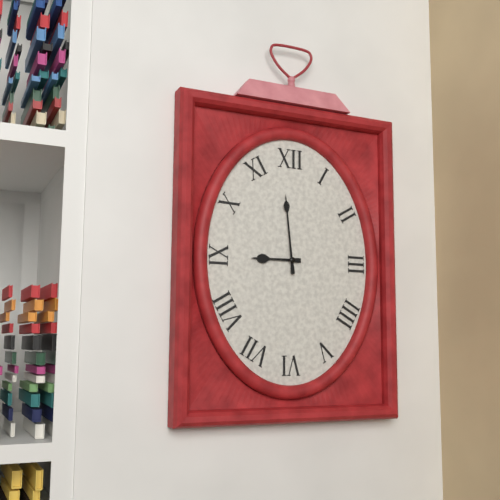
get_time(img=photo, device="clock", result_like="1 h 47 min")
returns 8 h 59 min
